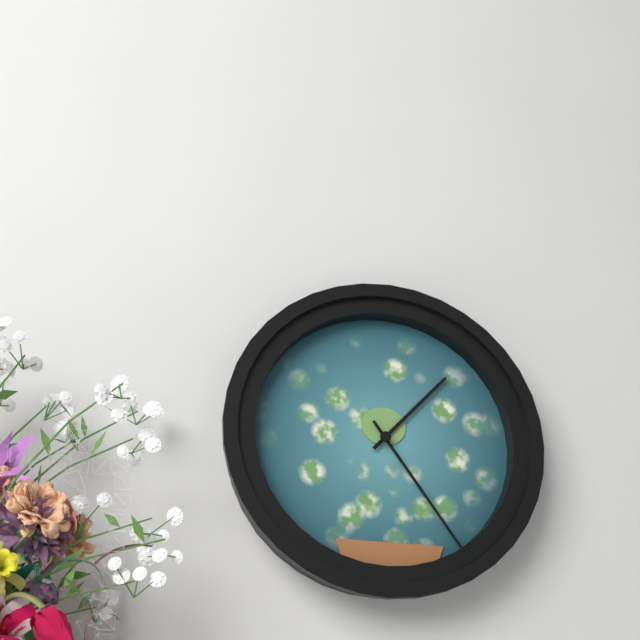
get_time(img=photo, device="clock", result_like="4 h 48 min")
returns 1 h 24 min
